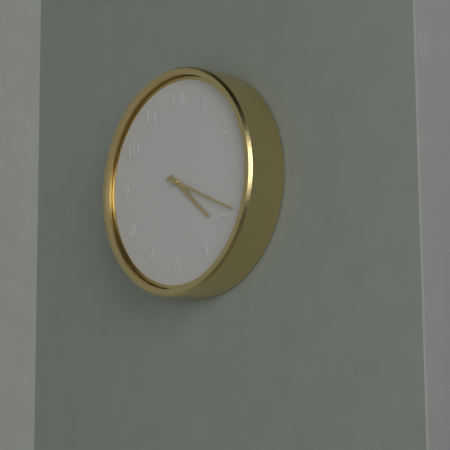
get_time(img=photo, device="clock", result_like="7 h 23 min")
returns 4 h 19 min
